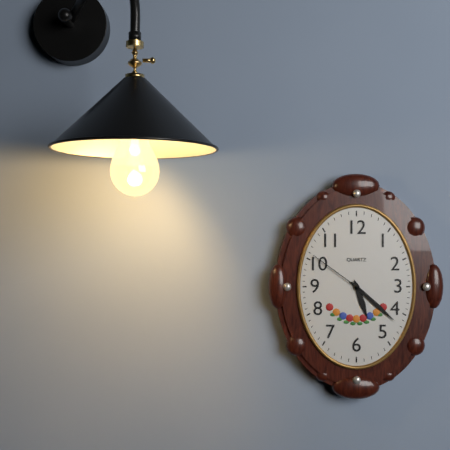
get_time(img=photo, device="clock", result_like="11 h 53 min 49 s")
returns 5 h 22 min 51 s
